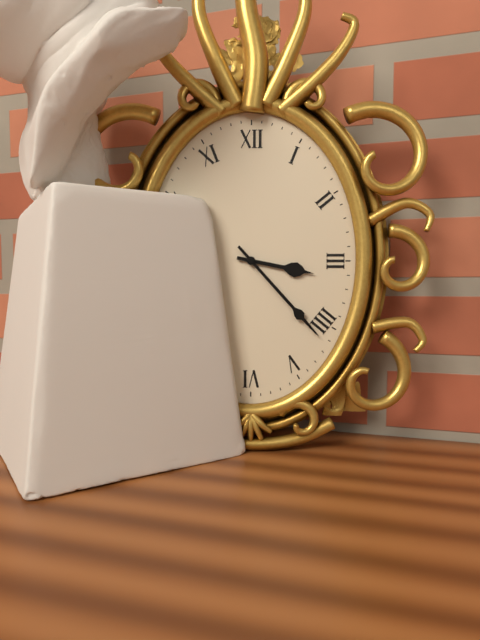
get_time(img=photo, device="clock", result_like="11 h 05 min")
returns 3 h 23 min
